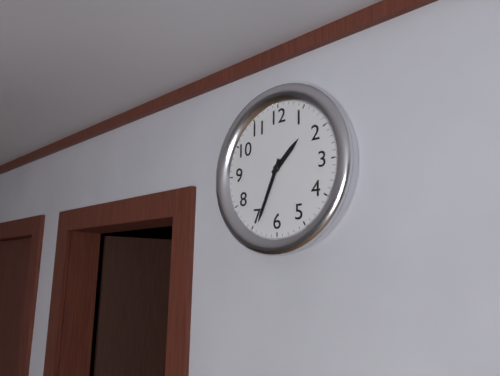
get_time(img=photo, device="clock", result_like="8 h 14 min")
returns 1 h 34 min
